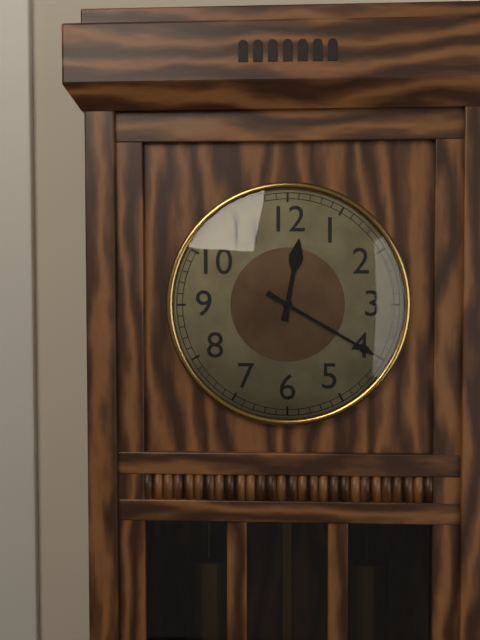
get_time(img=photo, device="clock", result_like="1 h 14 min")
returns 12 h 20 min
